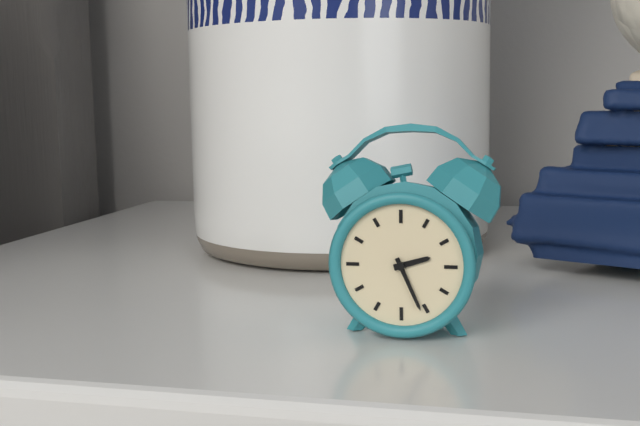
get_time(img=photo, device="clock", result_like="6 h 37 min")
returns 2 h 26 min
